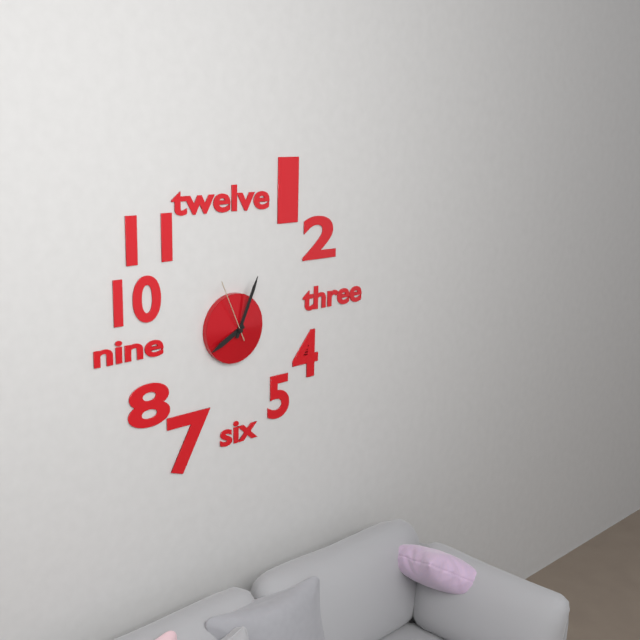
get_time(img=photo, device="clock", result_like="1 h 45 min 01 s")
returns 8 h 04 min 56 s
